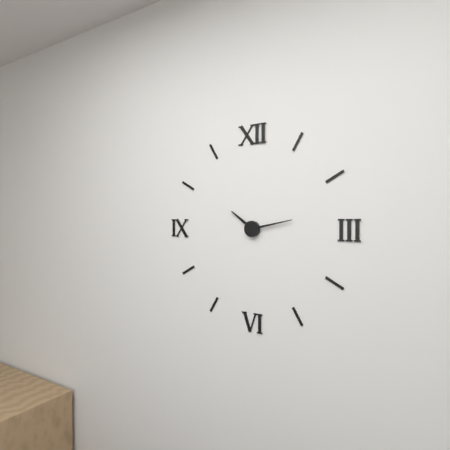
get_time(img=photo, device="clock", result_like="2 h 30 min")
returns 10 h 13 min
